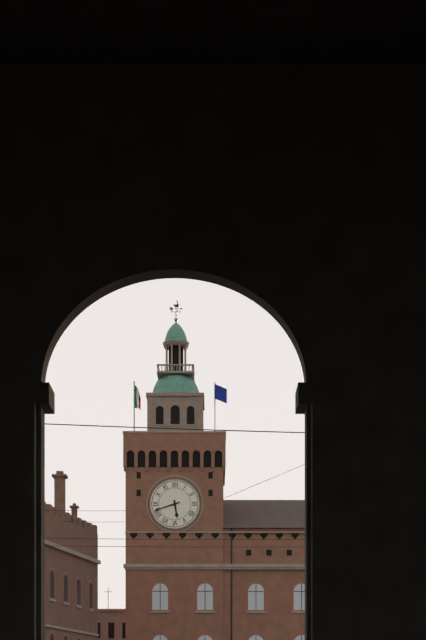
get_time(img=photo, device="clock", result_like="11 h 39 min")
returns 5 h 42 min
